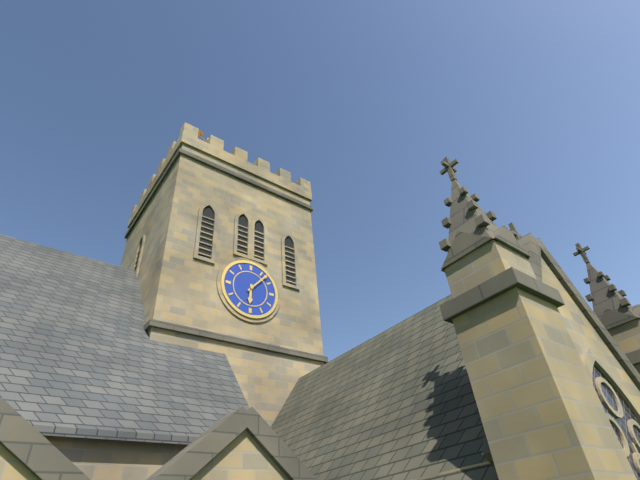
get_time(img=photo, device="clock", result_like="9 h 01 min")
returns 6 h 07 min
